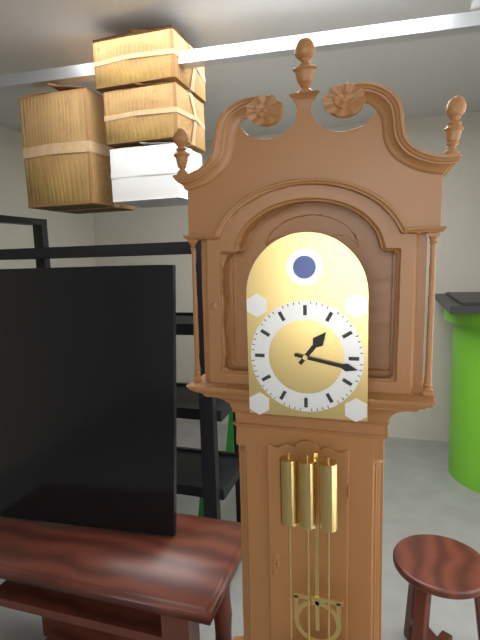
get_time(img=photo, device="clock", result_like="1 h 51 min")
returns 1 h 17 min
